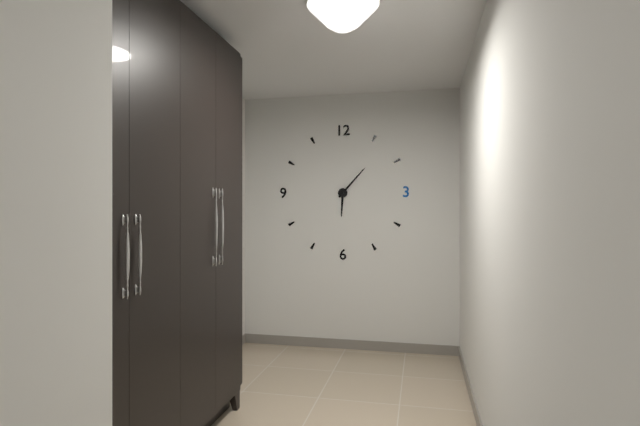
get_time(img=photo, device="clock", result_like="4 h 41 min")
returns 6 h 07 min
